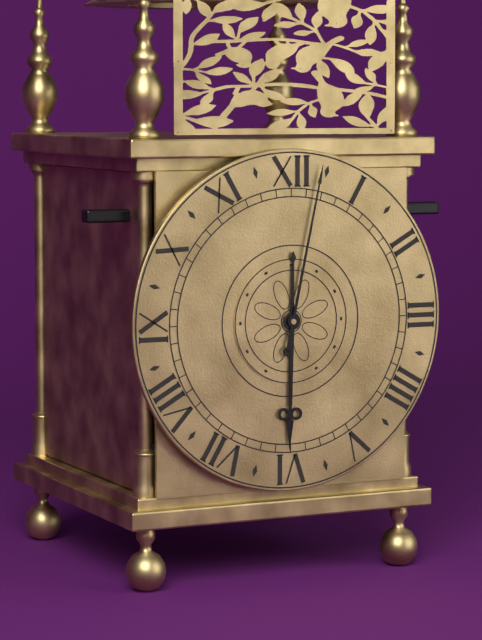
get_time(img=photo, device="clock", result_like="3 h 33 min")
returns 6 h 02 min
